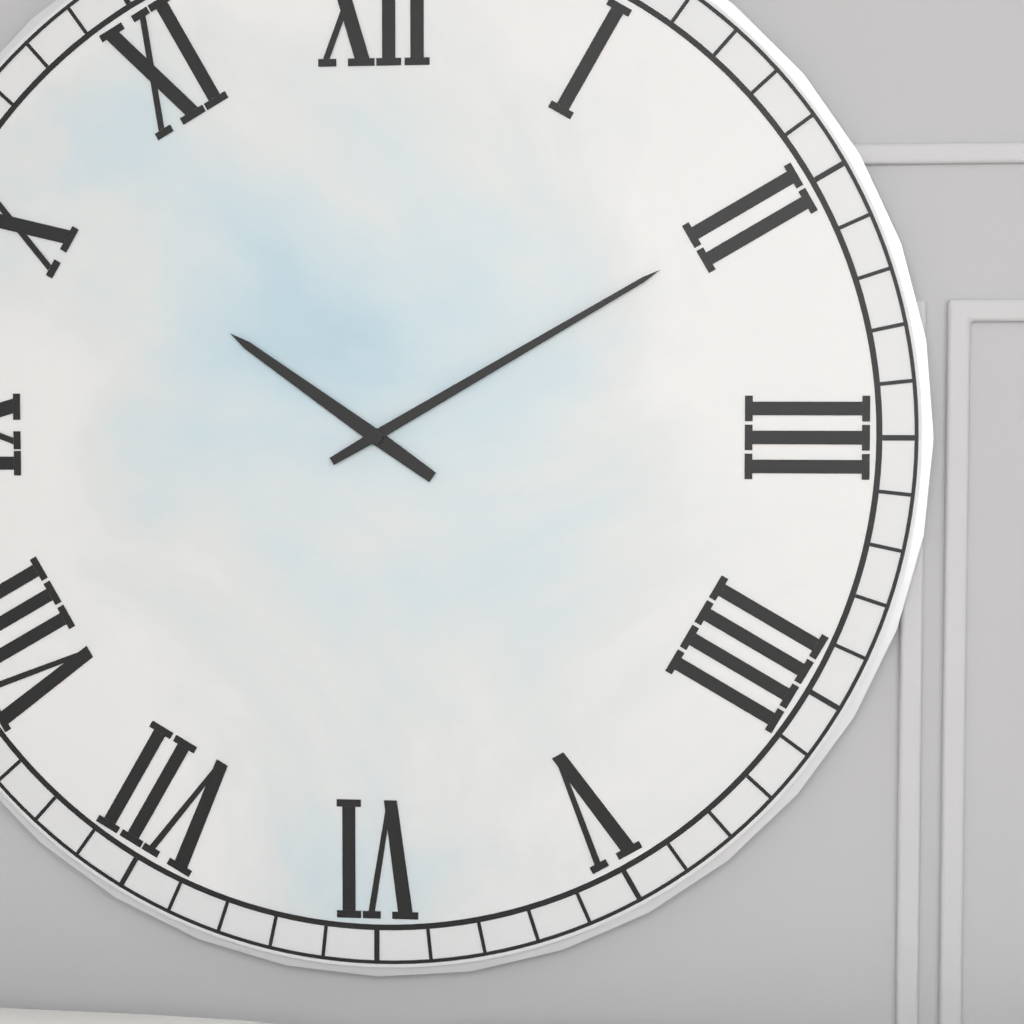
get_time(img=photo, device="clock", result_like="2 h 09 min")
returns 10 h 10 min
